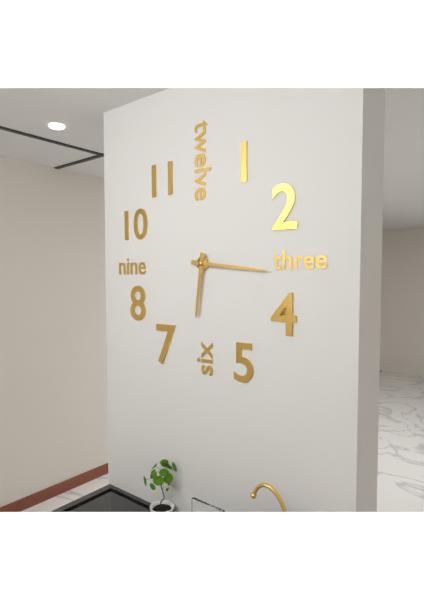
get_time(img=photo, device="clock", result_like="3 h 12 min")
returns 6 h 16 min
